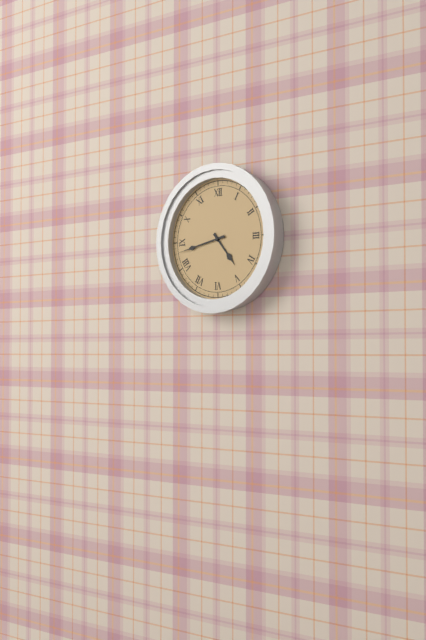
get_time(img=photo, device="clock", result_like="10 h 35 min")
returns 4 h 43 min
